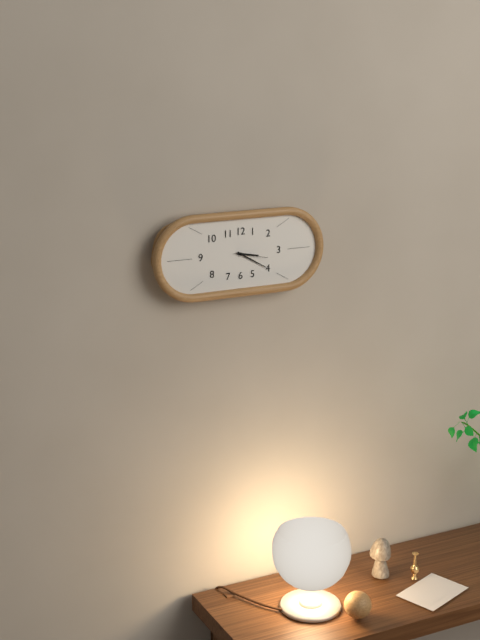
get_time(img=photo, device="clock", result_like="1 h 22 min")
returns 3 h 20 min
